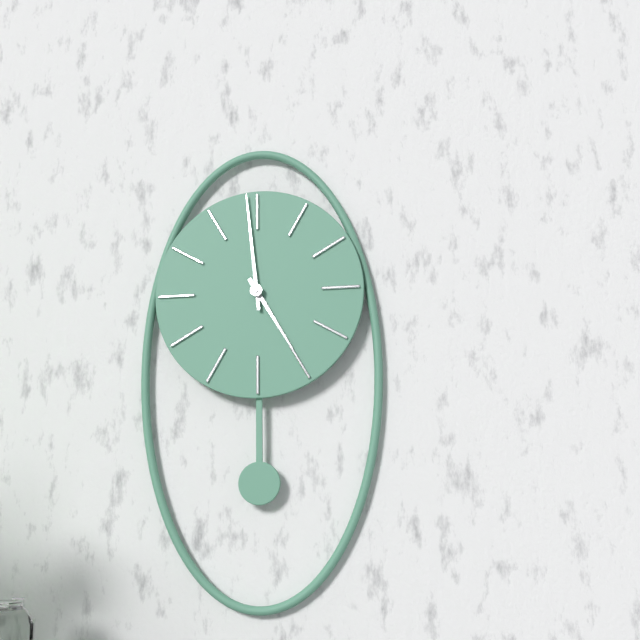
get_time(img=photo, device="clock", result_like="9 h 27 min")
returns 4 h 59 min
